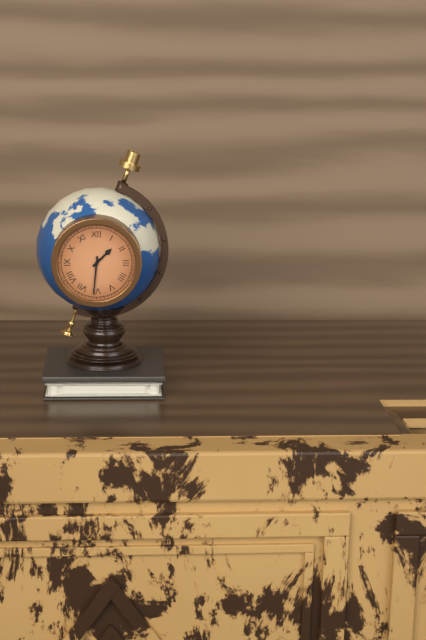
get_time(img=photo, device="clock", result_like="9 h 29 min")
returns 1 h 31 min
